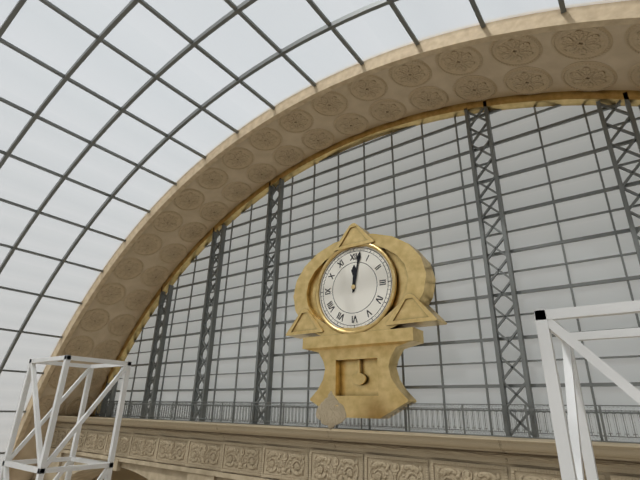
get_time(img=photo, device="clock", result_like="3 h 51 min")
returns 12 h 02 min
